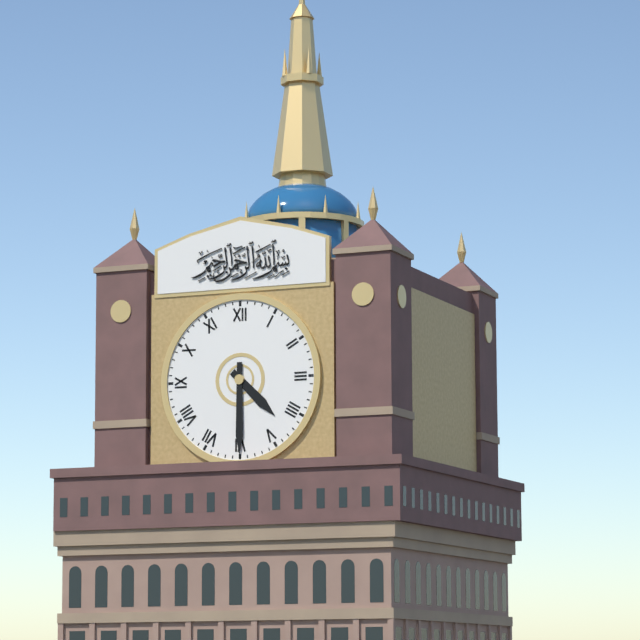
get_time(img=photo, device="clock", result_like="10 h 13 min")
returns 4 h 30 min
